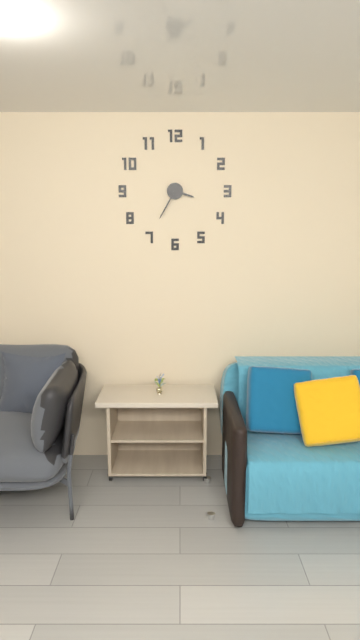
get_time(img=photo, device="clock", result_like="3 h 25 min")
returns 3 h 35 min
